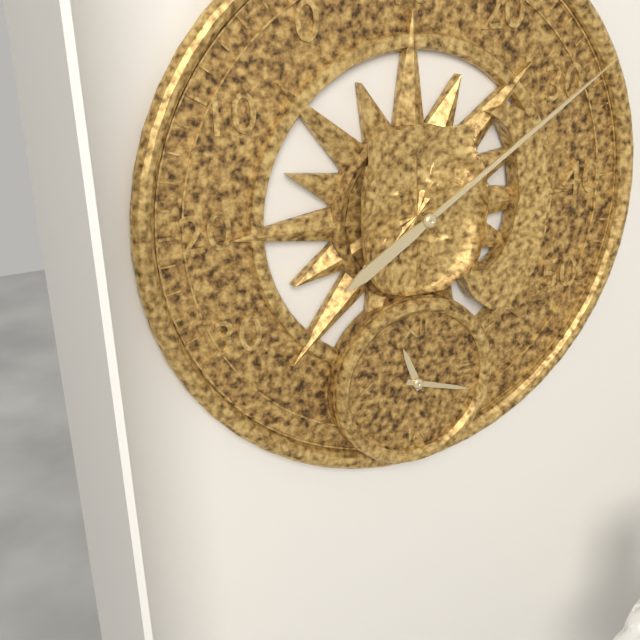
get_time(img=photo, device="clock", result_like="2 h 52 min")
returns 11 h 18 min
